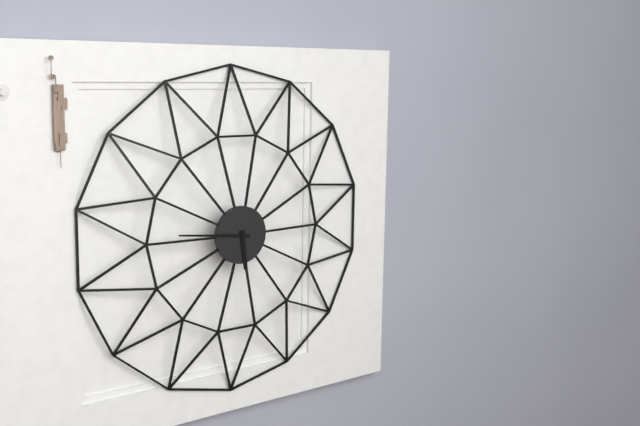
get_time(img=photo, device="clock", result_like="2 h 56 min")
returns 5 h 46 min
